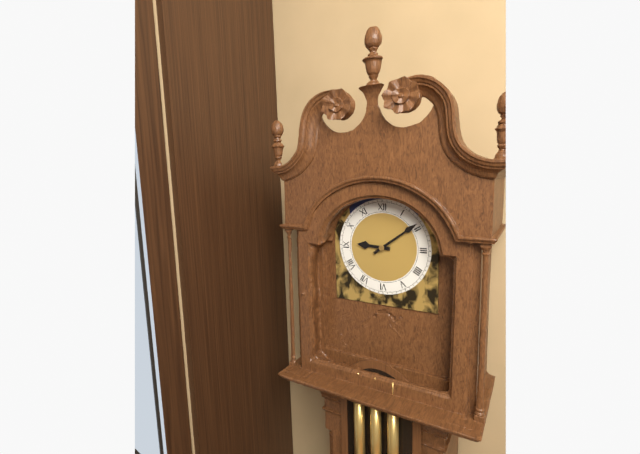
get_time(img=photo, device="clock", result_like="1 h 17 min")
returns 9 h 09 min
